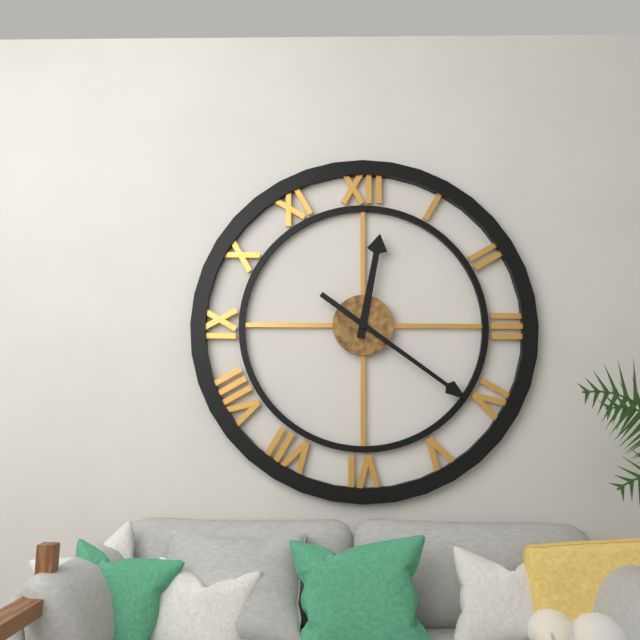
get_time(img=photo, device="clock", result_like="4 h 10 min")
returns 12 h 21 min
